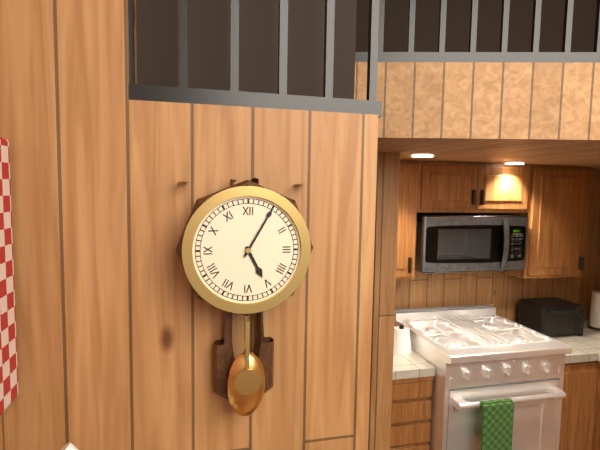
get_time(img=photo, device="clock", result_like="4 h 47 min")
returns 5 h 05 min
